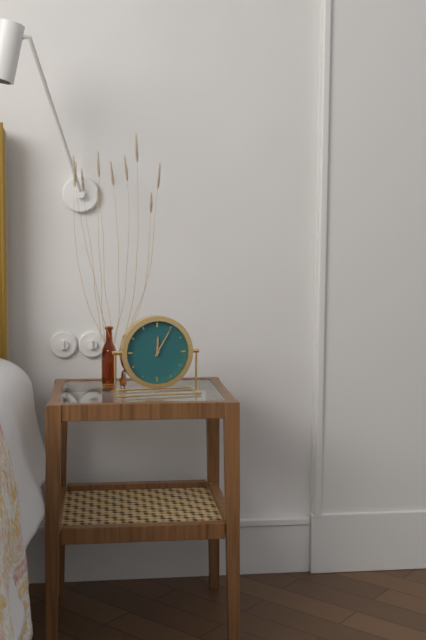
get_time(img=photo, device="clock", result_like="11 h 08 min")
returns 12 h 05 min
